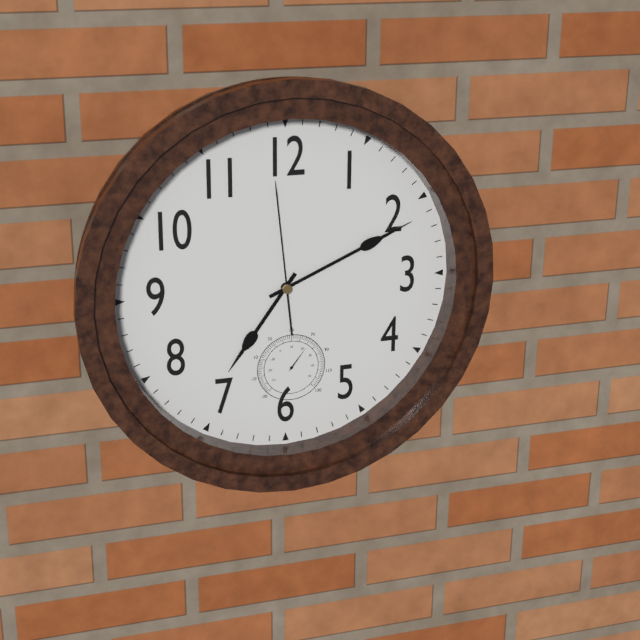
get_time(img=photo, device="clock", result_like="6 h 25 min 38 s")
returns 7 h 11 min 59 s
